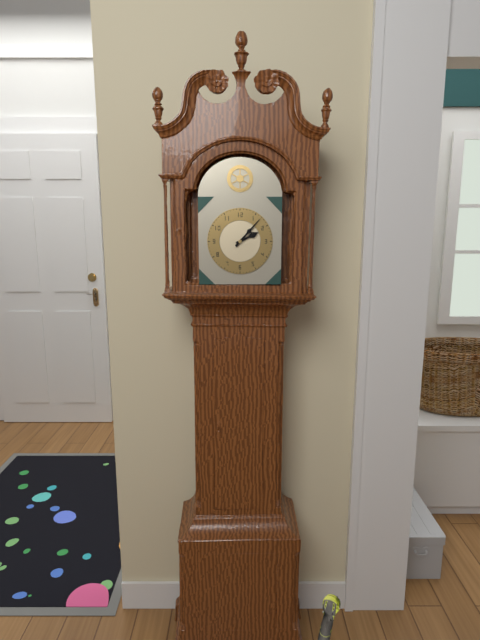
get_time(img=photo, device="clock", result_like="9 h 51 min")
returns 2 h 07 min
